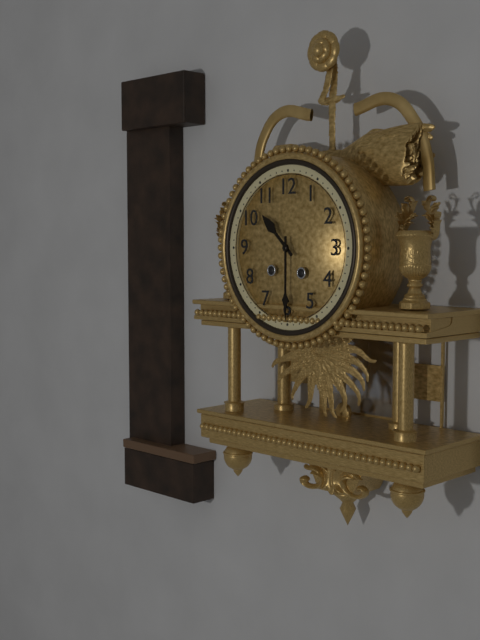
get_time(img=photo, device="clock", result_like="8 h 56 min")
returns 10 h 30 min
